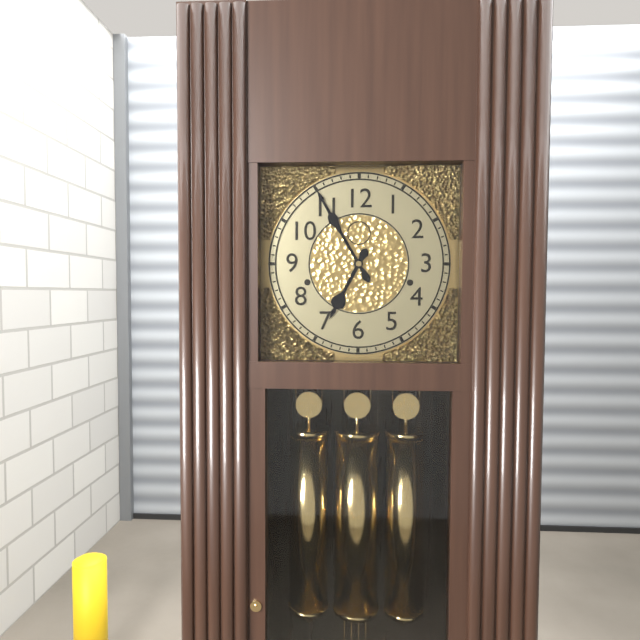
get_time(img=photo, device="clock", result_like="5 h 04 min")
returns 6 h 55 min
